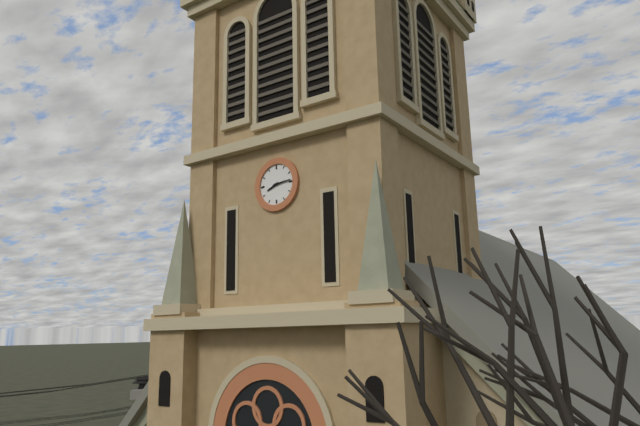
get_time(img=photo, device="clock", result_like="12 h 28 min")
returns 8 h 14 min
